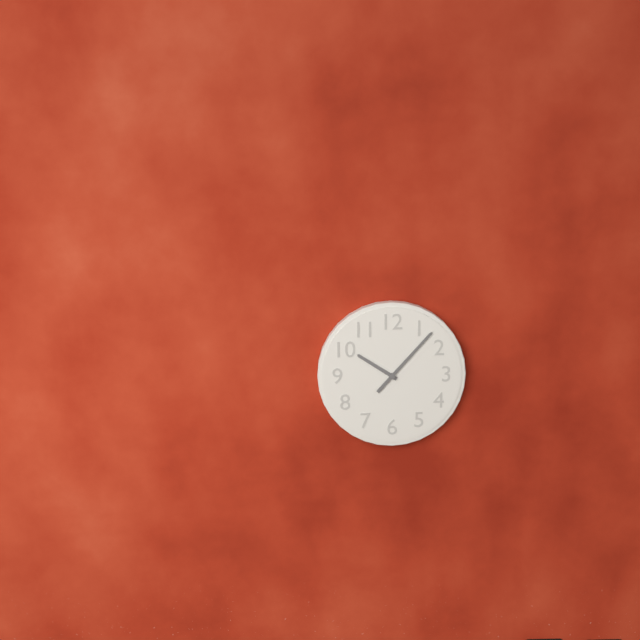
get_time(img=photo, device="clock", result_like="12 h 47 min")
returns 10 h 07 min
